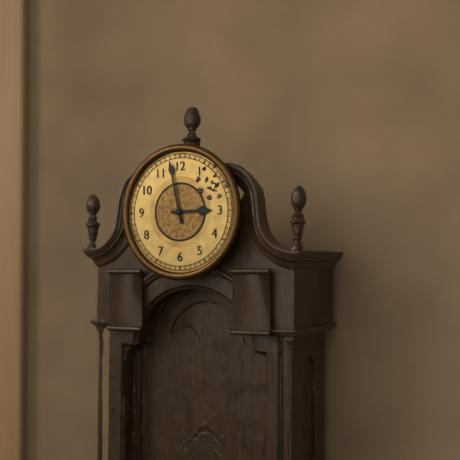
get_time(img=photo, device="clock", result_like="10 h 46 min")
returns 2 h 58 min
